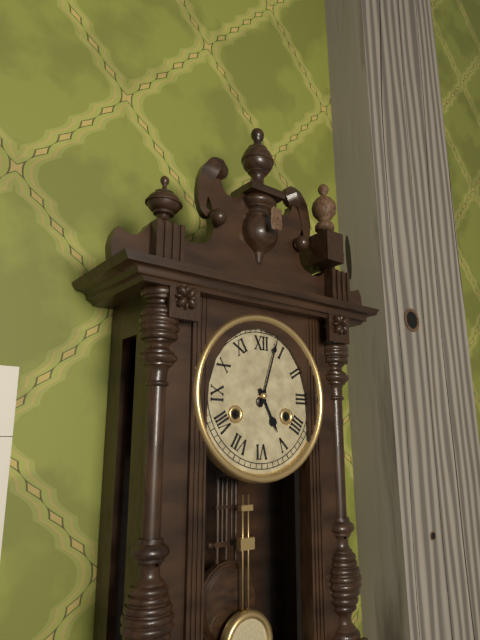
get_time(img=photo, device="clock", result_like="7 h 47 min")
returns 5 h 03 min
